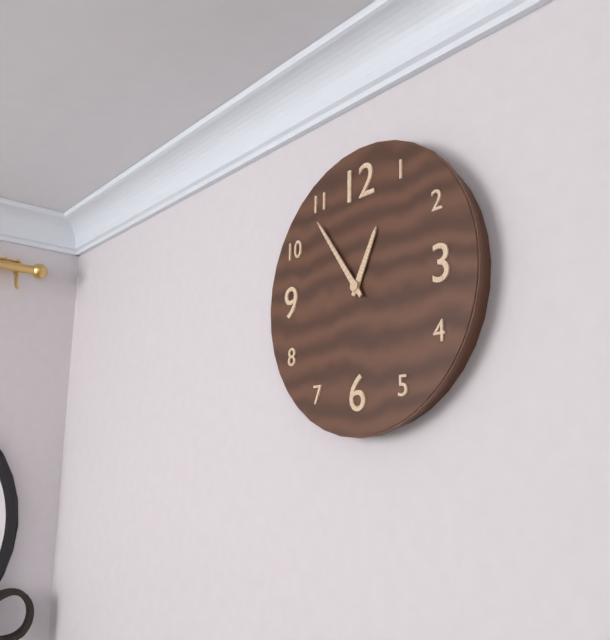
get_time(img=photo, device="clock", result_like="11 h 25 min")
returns 12 h 54 min
